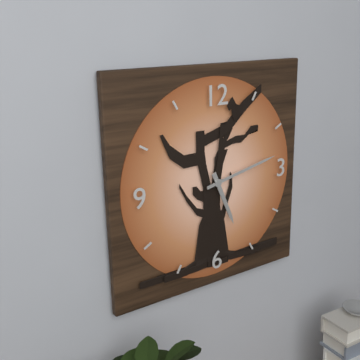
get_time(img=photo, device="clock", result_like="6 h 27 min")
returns 5 h 13 min
